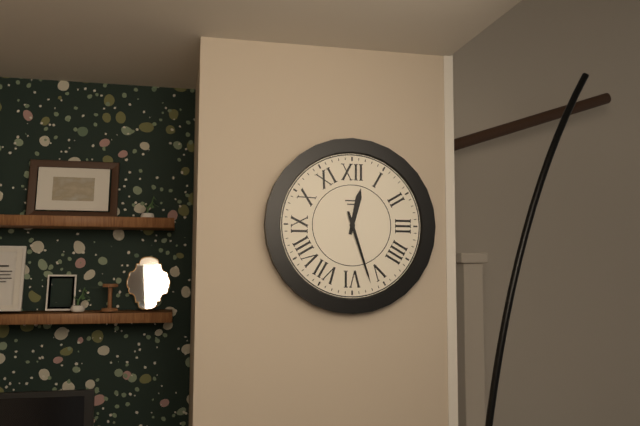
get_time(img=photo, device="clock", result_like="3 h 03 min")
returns 12 h 27 min
